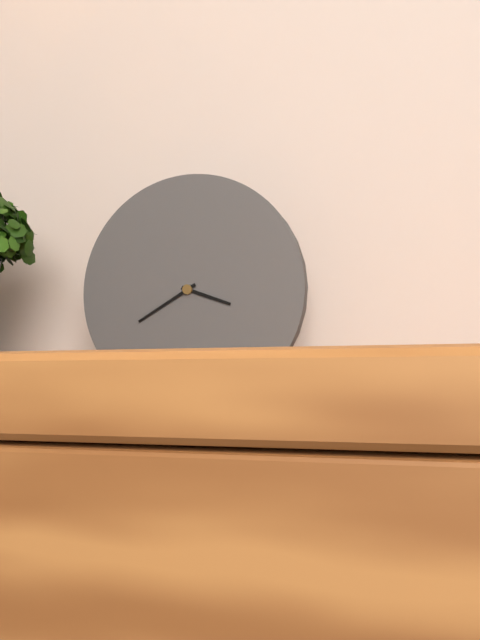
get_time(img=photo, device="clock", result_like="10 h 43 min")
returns 3 h 40 min
